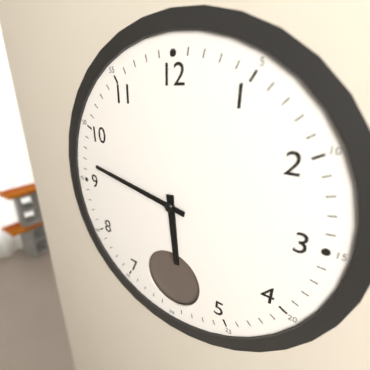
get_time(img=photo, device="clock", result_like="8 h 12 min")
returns 5 h 47 min
